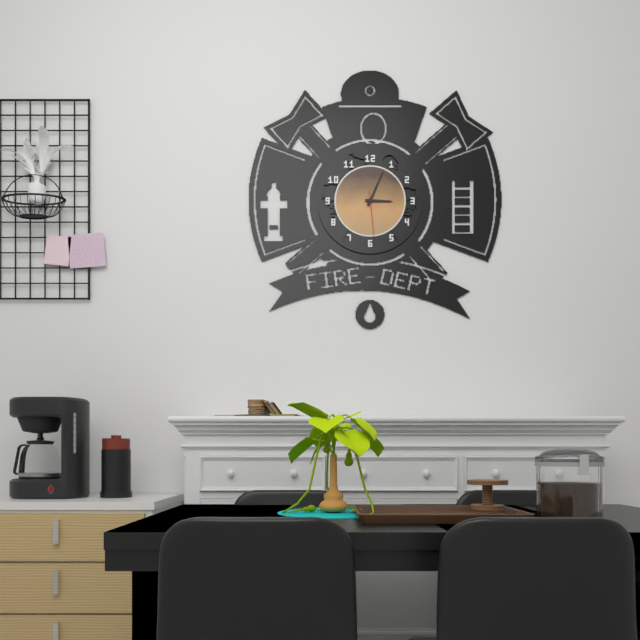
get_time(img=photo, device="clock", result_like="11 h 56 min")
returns 3 h 04 min
